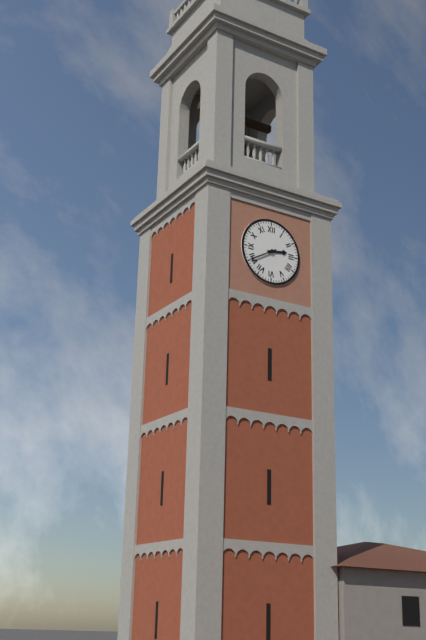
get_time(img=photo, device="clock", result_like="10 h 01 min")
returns 2 h 40 min
